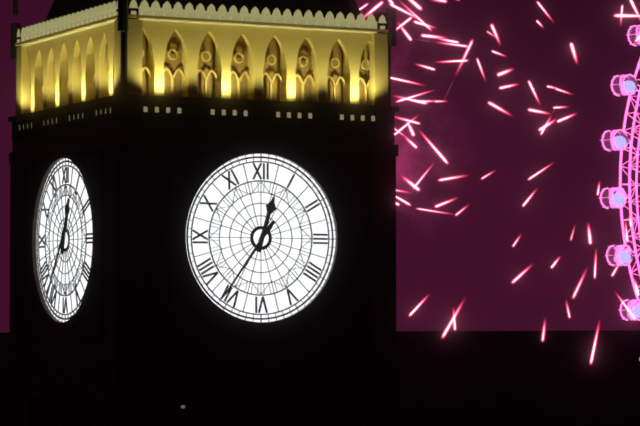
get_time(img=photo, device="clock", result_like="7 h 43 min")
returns 12 h 36 min
